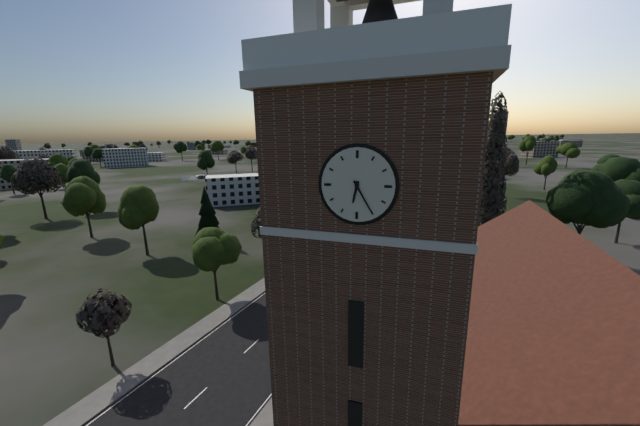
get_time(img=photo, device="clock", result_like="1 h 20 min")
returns 6 h 25 min
